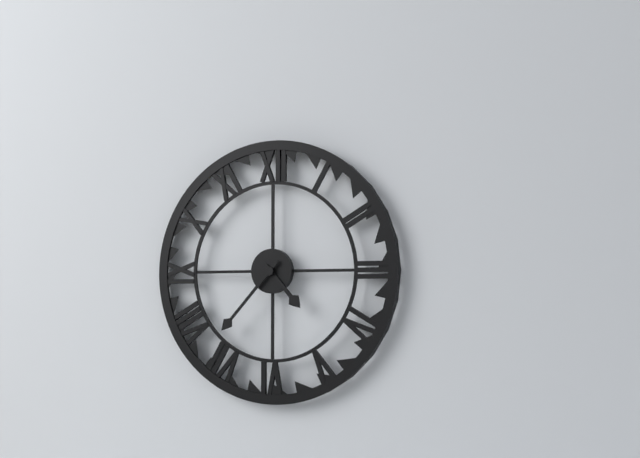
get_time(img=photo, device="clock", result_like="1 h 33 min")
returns 4 h 37 min
